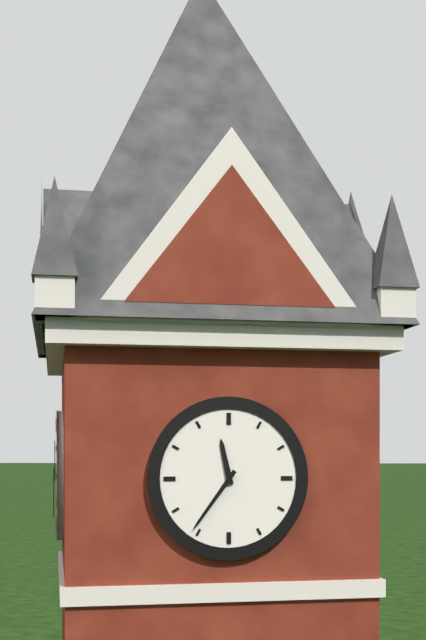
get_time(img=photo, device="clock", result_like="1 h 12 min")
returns 11 h 36 min
